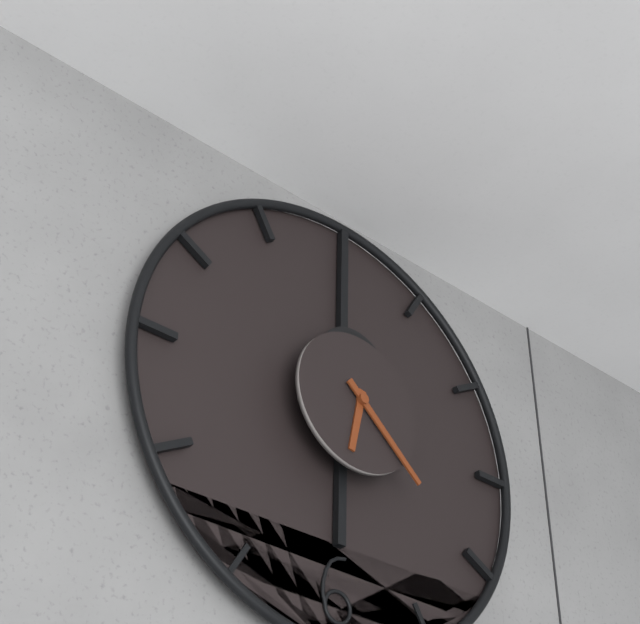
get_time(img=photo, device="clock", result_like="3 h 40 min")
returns 6 h 22 min
